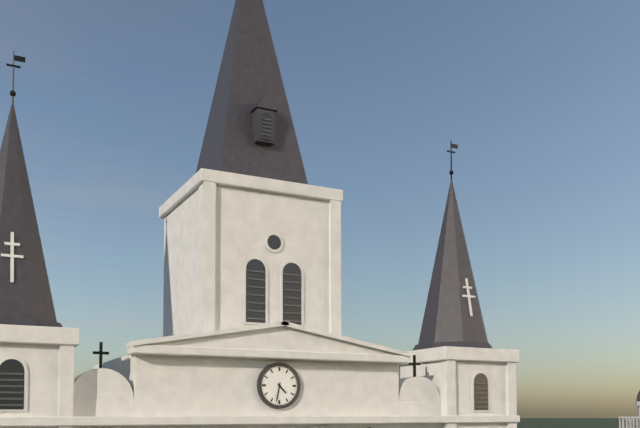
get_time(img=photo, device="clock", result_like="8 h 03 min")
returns 4 h 32 min
